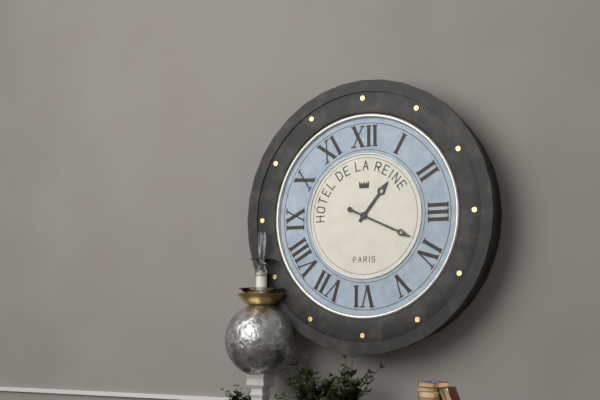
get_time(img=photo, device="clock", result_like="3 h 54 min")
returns 1 h 19 min
